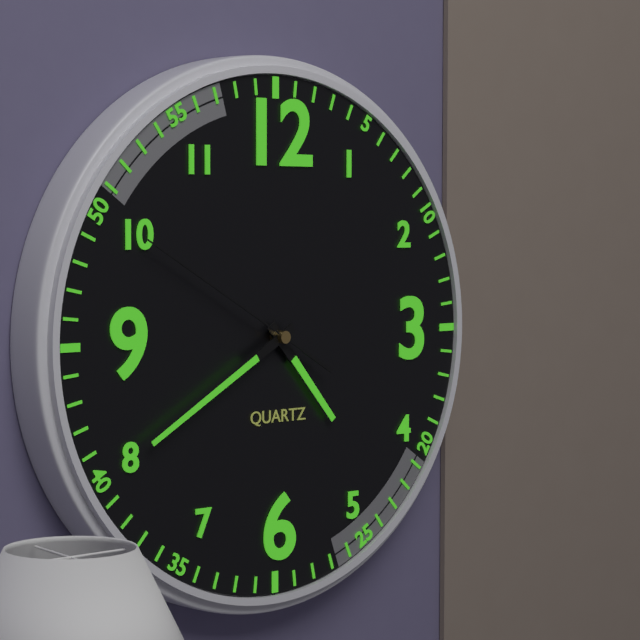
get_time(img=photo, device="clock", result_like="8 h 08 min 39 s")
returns 4 h 40 min 50 s
